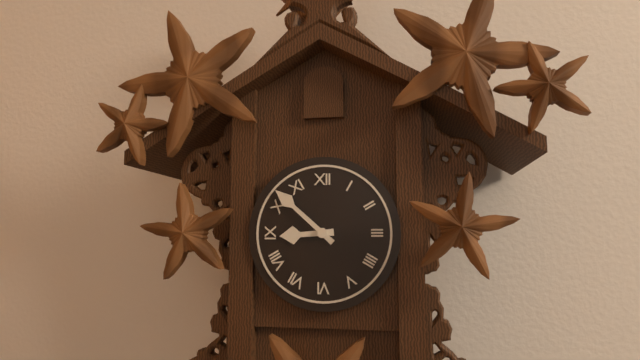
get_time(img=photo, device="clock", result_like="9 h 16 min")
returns 8 h 52 min
